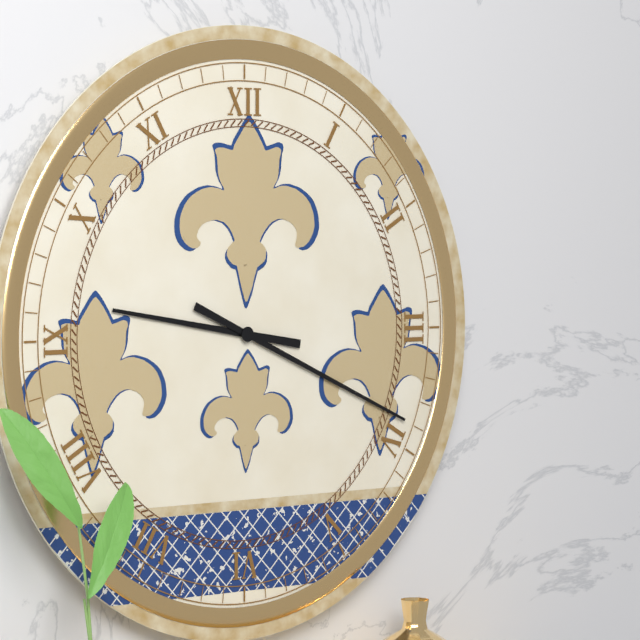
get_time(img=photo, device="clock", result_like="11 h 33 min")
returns 9 h 19 min
